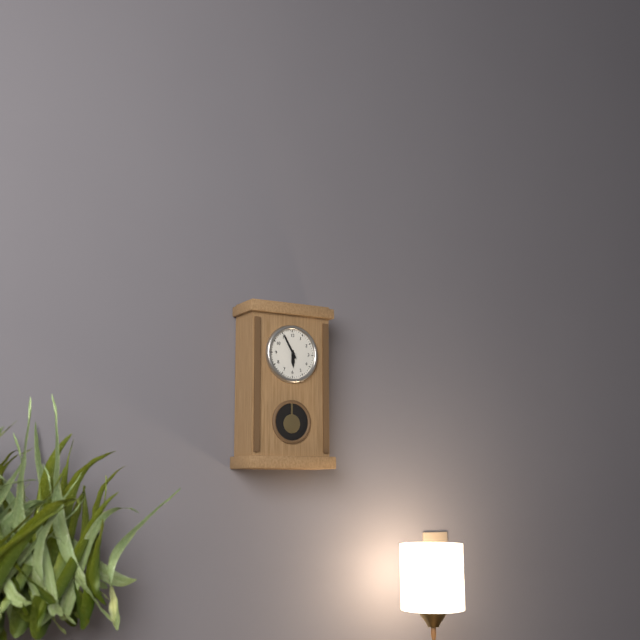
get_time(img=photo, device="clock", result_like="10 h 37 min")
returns 5 h 55 min
